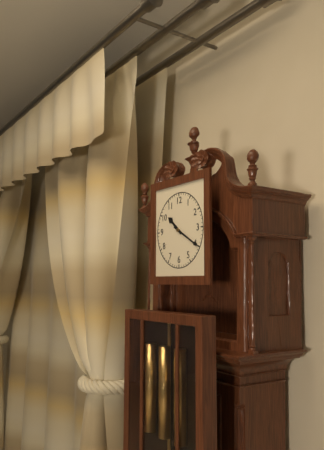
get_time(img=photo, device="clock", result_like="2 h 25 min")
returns 10 h 20 min
